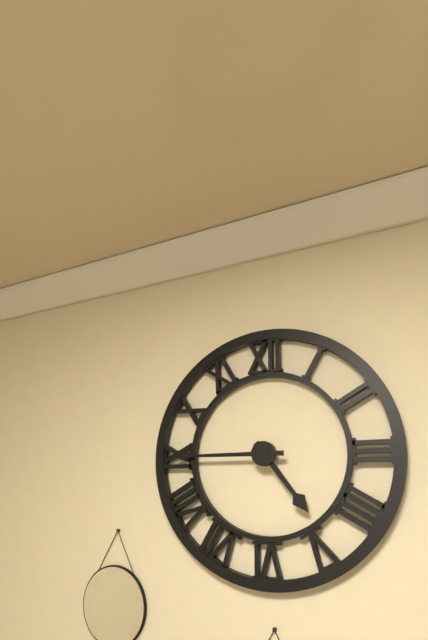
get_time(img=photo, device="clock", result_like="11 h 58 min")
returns 4 h 45 min
